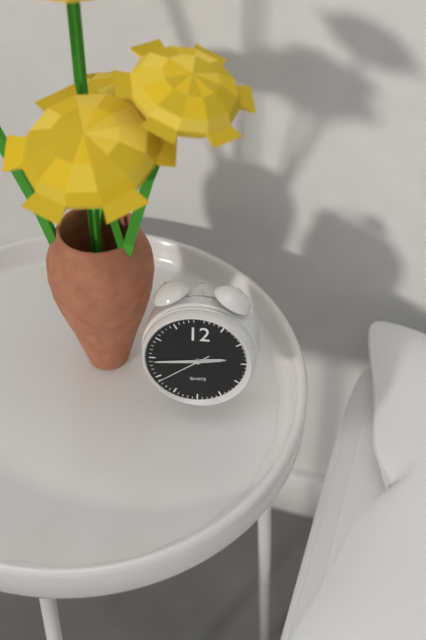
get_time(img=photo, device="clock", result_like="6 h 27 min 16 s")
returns 2 h 44 min 39 s
